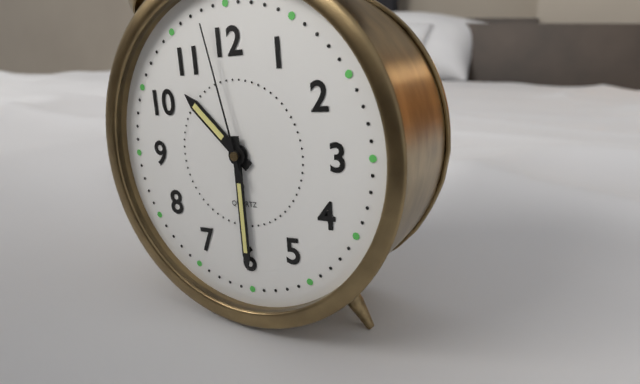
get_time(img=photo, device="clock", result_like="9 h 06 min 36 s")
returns 10 h 30 min 58 s
